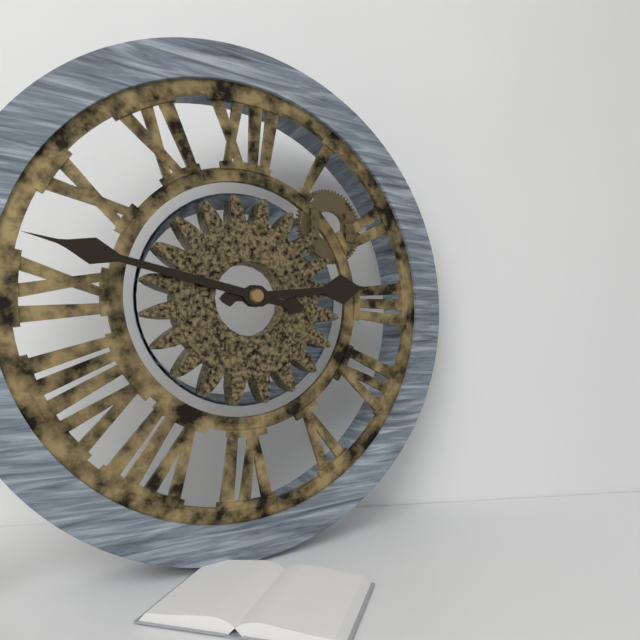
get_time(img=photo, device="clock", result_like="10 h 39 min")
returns 2 h 47 min
